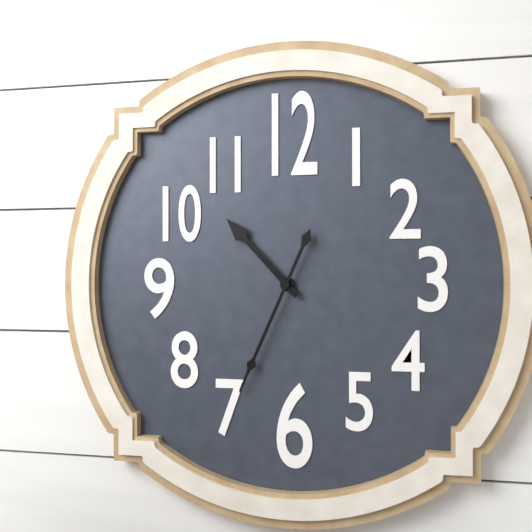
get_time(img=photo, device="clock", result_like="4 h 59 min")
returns 10 h 34 min
